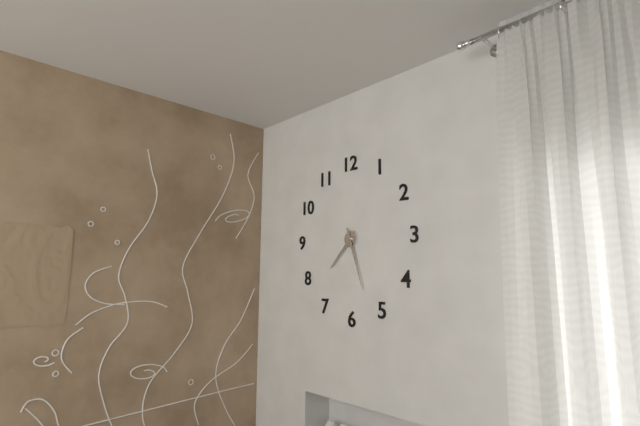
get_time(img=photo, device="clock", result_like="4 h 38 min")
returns 7 h 27 min
